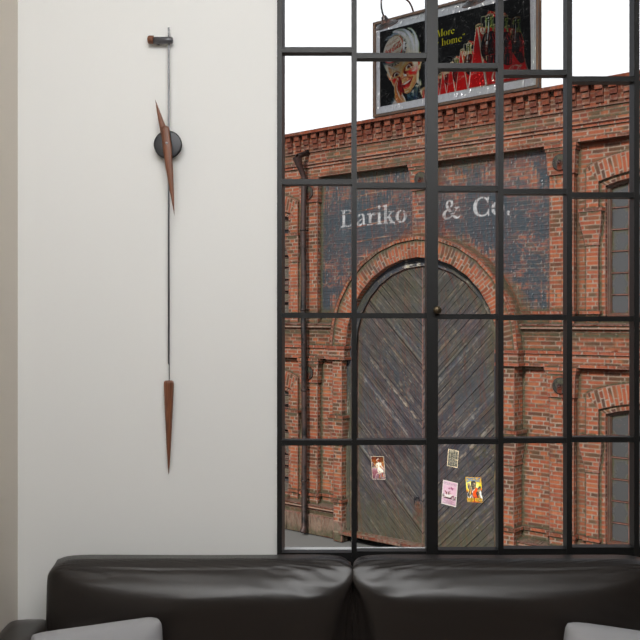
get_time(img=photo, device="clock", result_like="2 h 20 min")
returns 11 h 29 min
